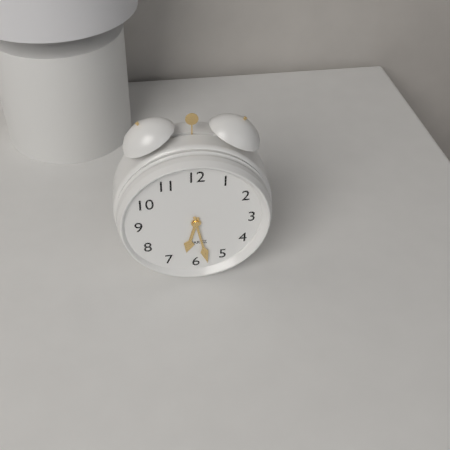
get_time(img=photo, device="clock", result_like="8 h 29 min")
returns 6 h 28 min
